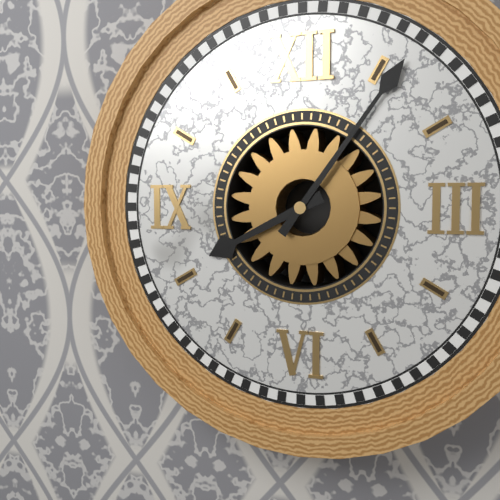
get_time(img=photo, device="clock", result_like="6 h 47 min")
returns 8 h 06 min
